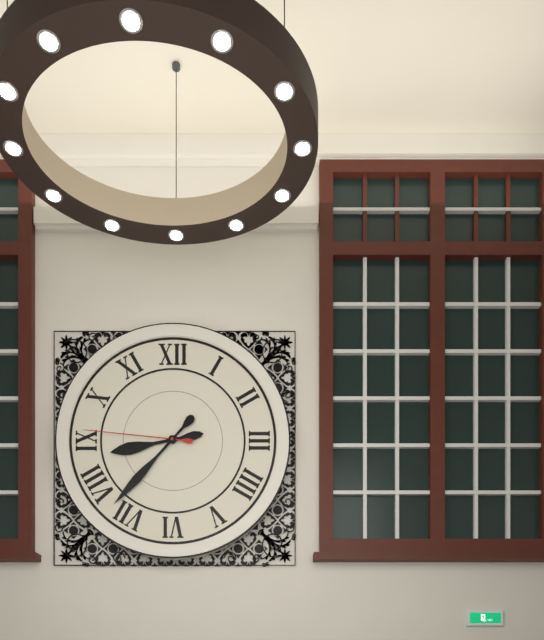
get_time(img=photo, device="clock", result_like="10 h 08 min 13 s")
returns 8 h 37 min 46 s
